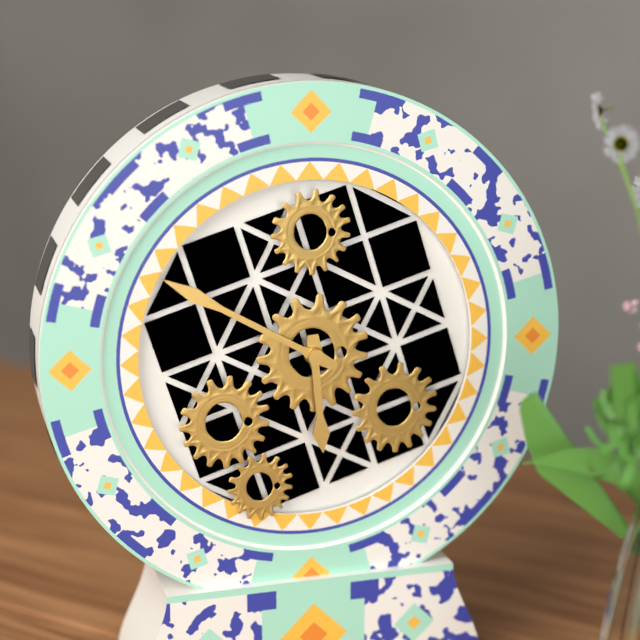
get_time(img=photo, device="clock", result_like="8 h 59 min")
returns 5 h 50 min
